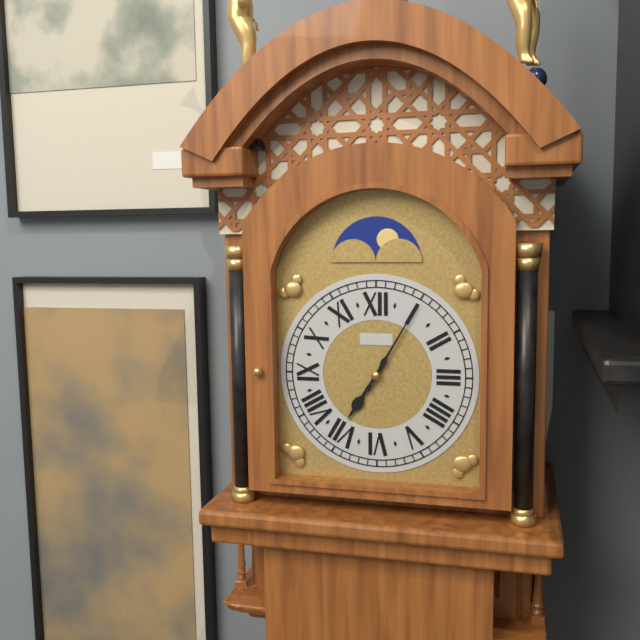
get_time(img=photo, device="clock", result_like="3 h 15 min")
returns 7 h 05 min
